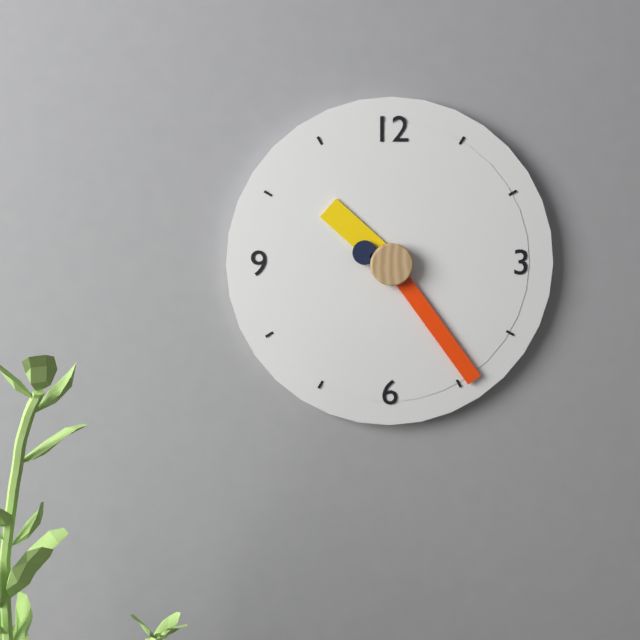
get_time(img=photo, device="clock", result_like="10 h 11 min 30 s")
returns 10 h 24 min 49 s
